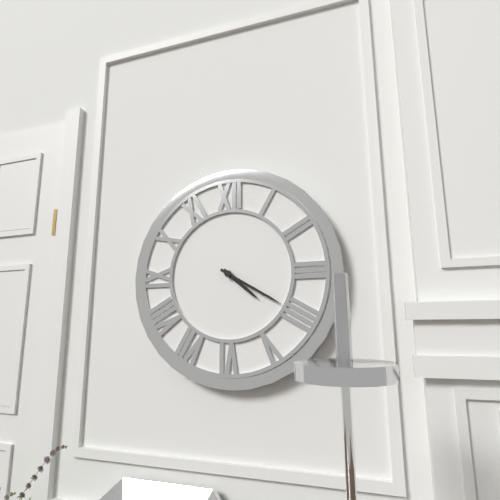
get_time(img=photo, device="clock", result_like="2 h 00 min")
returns 4 h 20 min
